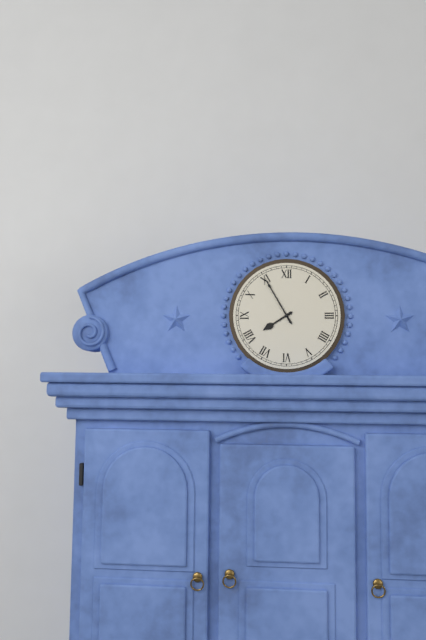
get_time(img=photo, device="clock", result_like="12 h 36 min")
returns 7 h 55 min
